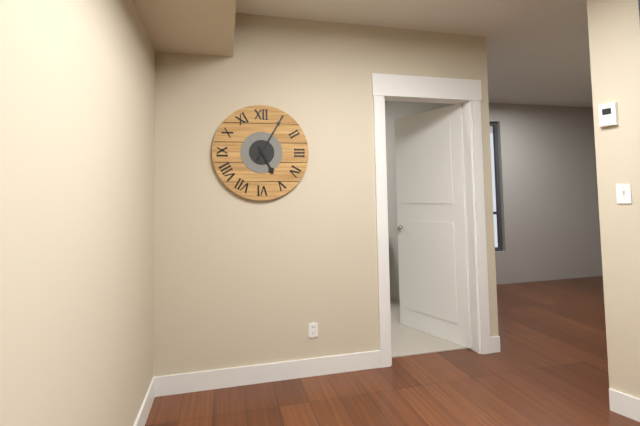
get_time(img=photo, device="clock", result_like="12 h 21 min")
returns 5 h 05 min
